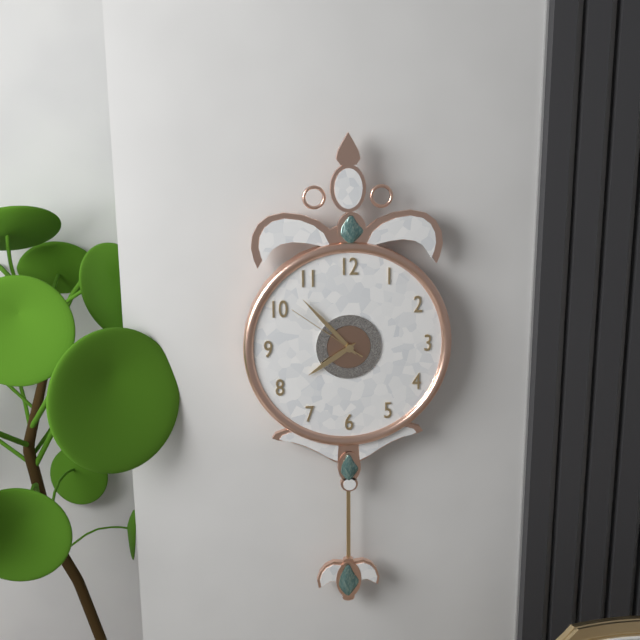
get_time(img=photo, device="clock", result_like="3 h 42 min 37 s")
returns 7 h 53 min 51 s
